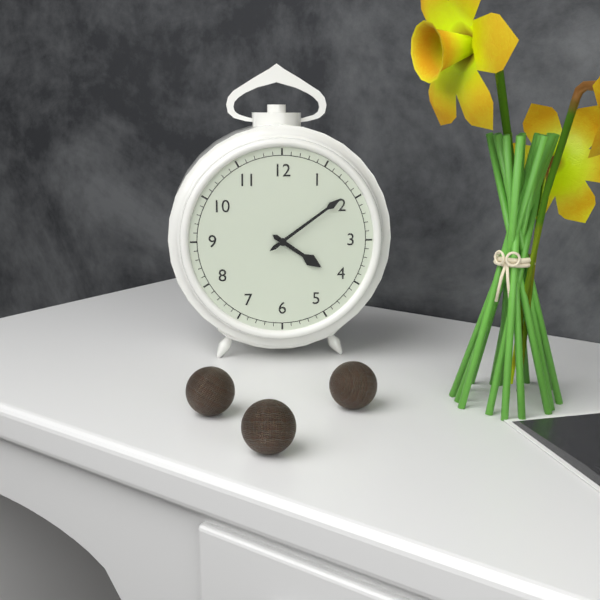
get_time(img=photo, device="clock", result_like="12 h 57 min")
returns 4 h 09 min
